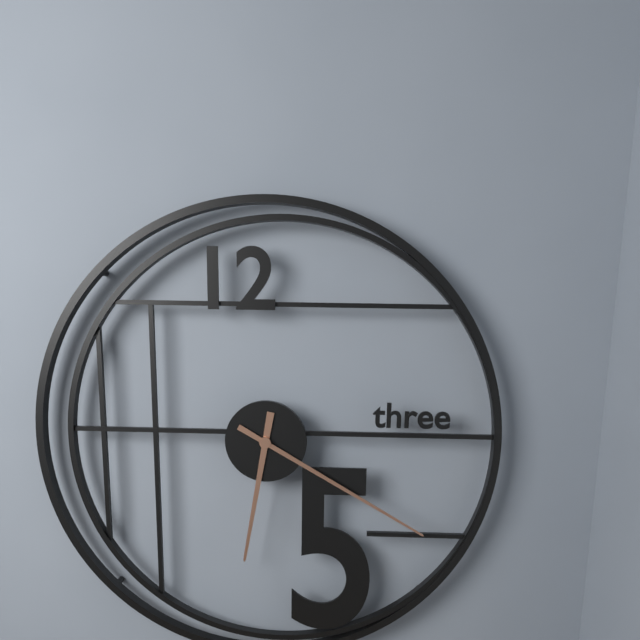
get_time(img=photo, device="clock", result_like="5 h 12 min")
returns 6 h 20 min
